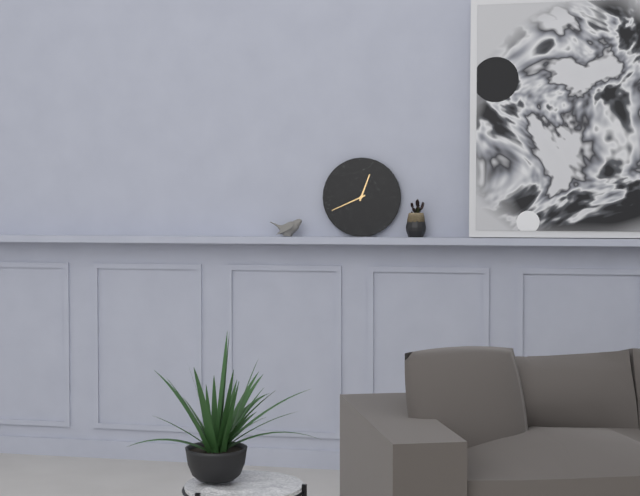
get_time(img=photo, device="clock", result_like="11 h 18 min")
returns 12 h 41 min
